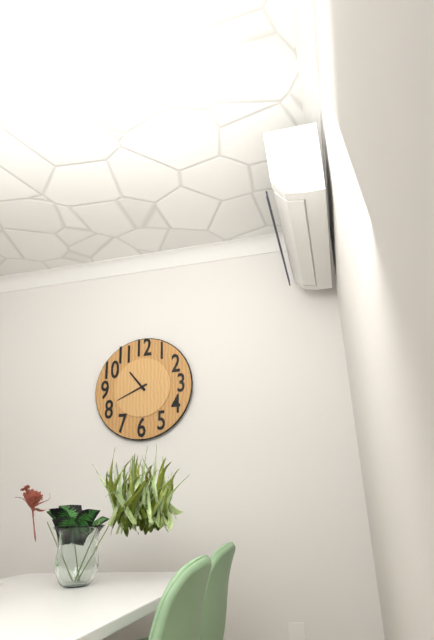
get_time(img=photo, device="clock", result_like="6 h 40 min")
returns 10 h 41 min
